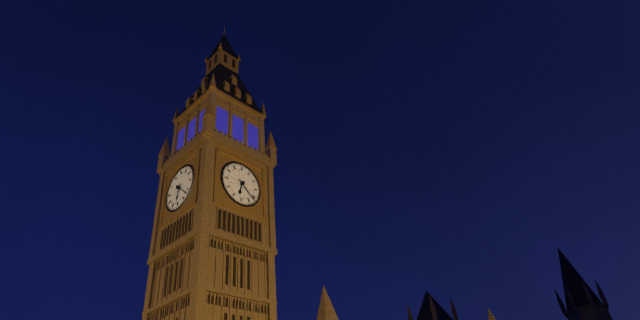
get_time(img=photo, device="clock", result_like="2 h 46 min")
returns 6 h 22 min
